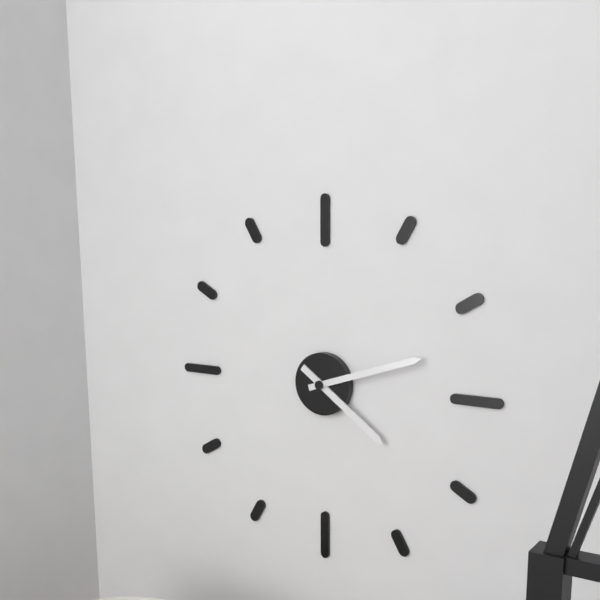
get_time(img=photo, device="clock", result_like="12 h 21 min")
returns 4 h 12 min
